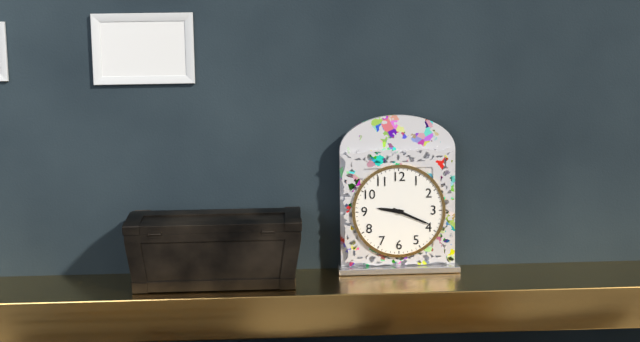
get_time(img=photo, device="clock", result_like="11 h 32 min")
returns 9 h 19 min
